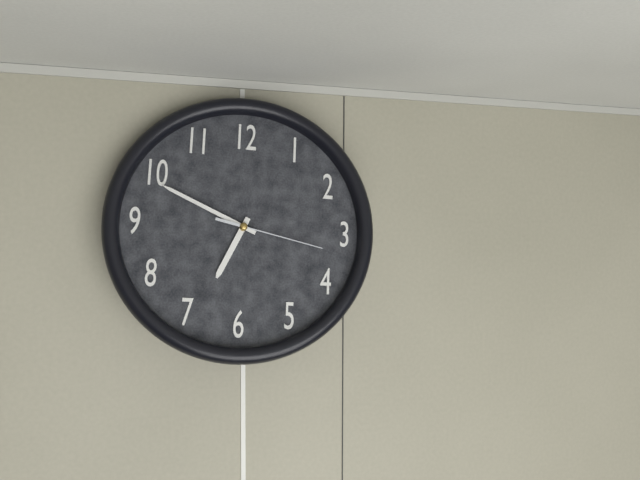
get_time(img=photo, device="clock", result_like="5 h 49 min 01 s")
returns 6 h 49 min 17 s
